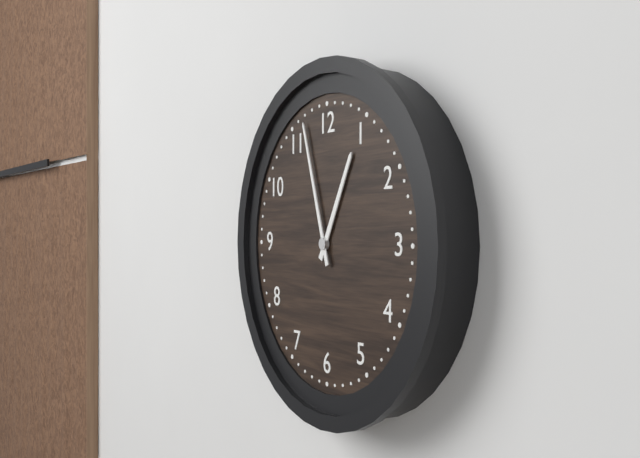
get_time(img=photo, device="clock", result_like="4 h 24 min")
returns 12 h 57 min
